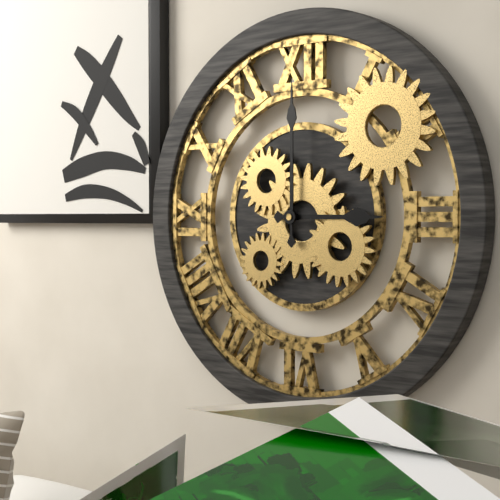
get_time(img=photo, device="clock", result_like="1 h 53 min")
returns 3 h 00 min
